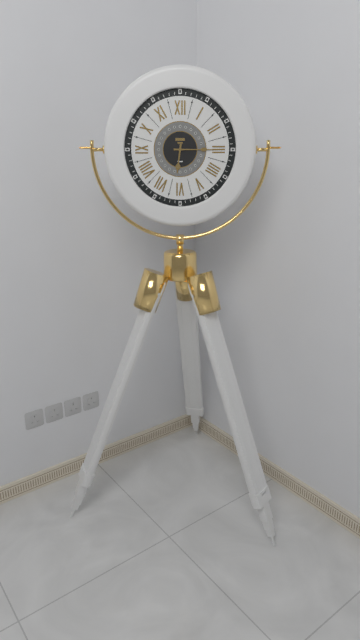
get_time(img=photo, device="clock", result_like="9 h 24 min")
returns 6 h 15 min
